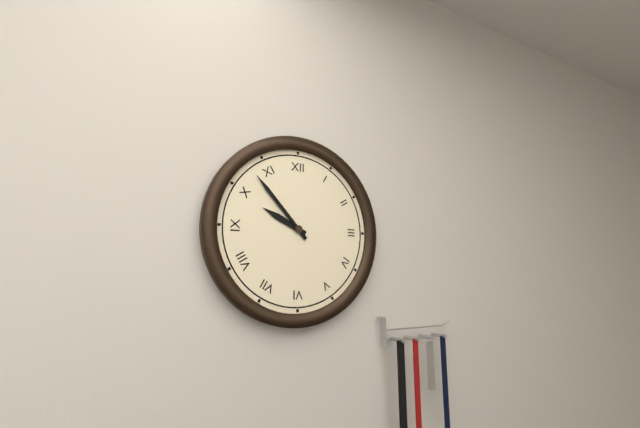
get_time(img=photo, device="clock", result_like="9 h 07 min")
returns 9 h 53 min
